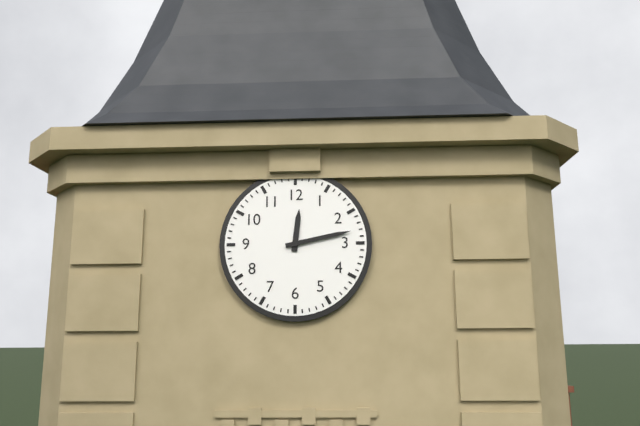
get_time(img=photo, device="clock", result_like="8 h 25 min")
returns 12 h 13 min
